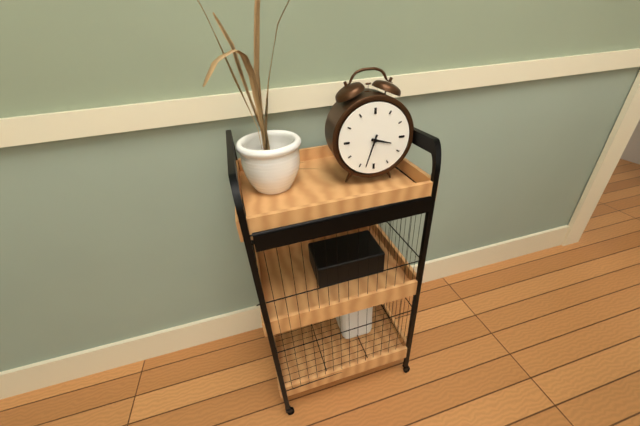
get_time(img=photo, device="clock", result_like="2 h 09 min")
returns 3 h 33 min
